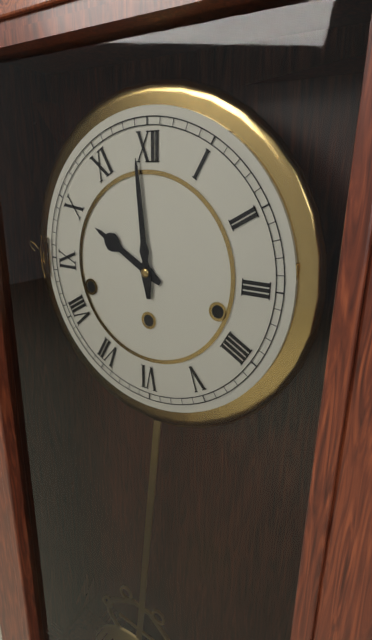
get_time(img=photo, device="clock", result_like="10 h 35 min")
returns 9 h 59 min
